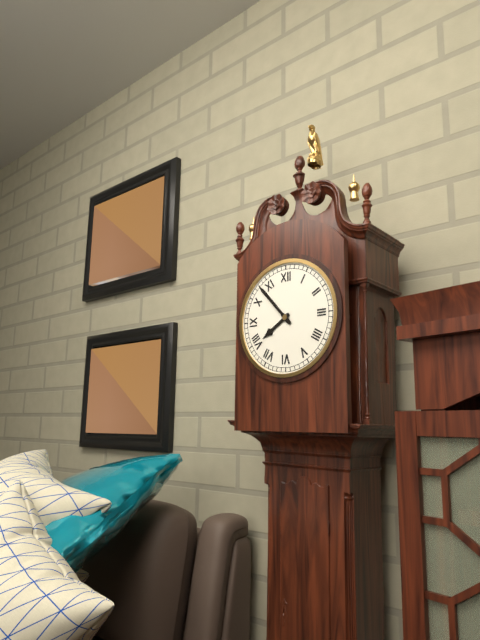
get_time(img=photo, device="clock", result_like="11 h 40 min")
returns 7 h 53 min
